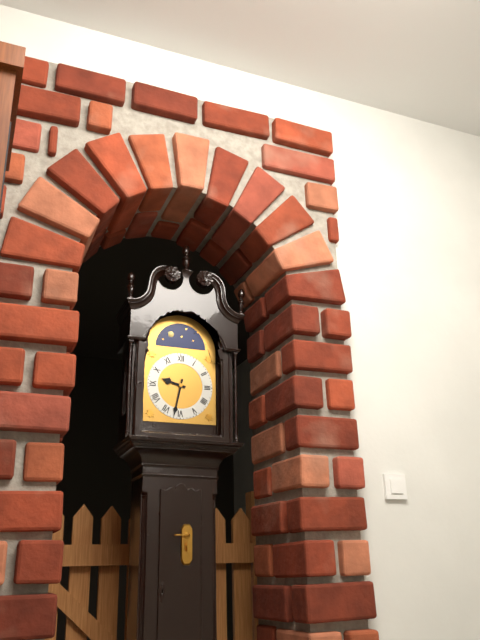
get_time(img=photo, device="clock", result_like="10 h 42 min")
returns 9 h 32 min
